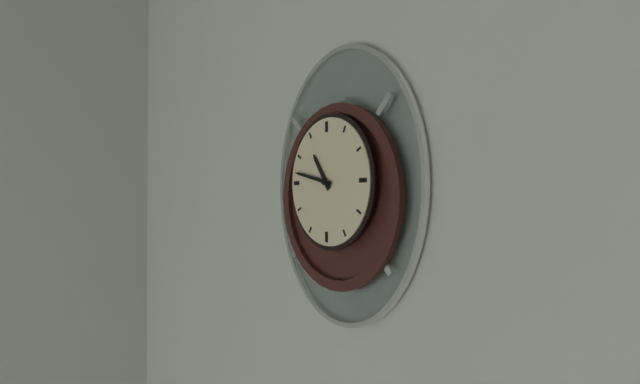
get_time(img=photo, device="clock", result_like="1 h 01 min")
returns 10 h 47 min
